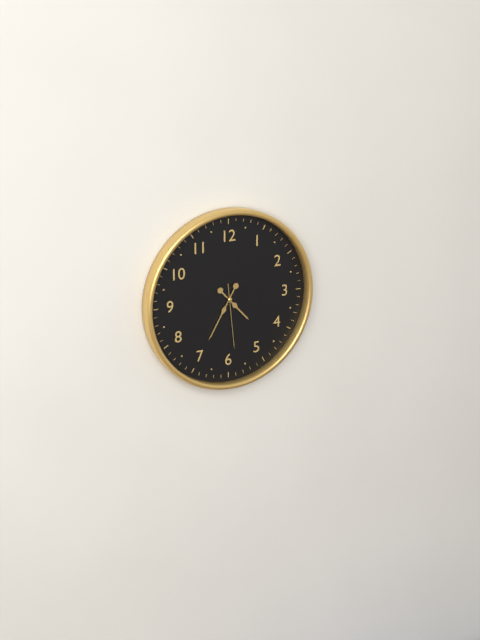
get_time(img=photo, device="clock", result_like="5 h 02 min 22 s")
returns 4 h 35 min 29 s
